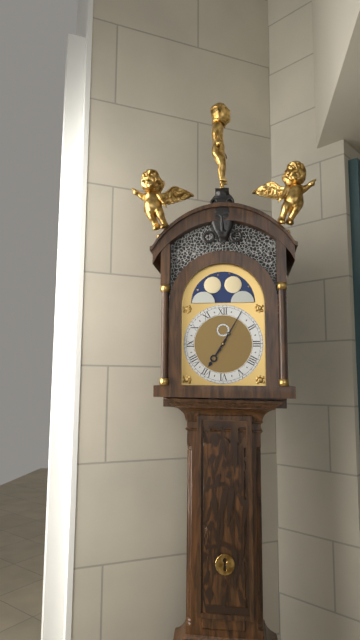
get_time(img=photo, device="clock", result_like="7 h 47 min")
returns 7 h 05 min
